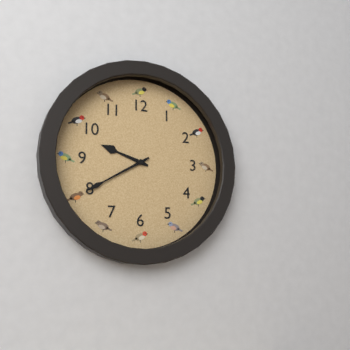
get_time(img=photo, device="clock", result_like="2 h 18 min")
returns 9 h 40 min
